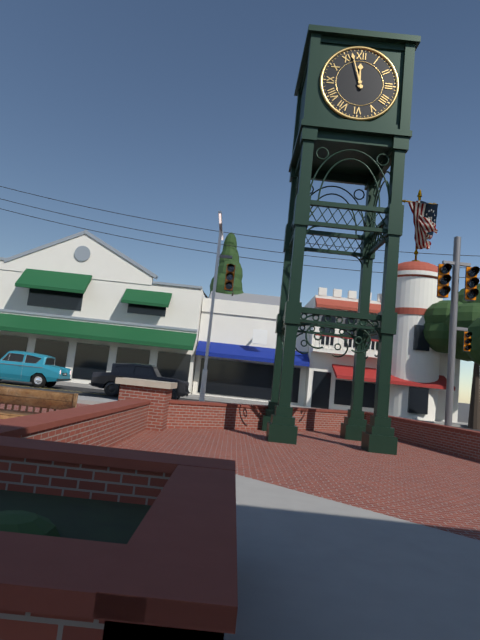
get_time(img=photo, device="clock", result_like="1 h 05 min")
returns 11 h 57 min
